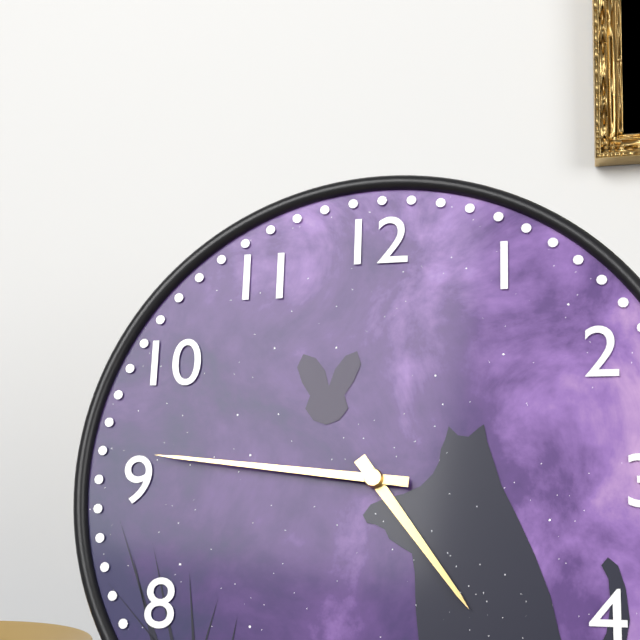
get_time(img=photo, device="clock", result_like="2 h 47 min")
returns 4 h 46 min
